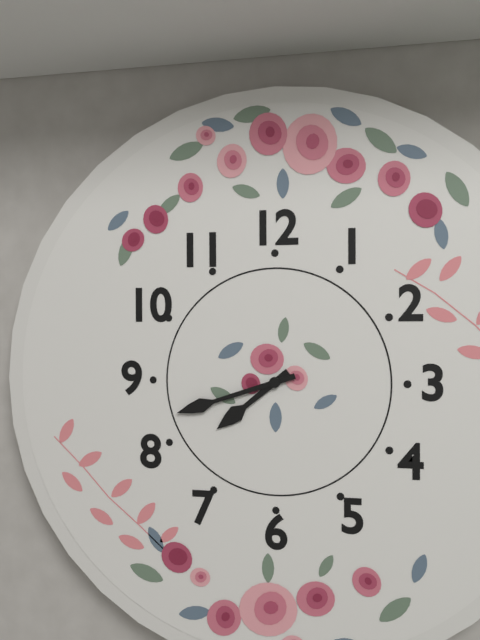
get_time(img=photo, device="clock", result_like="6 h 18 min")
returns 7 h 42 min
